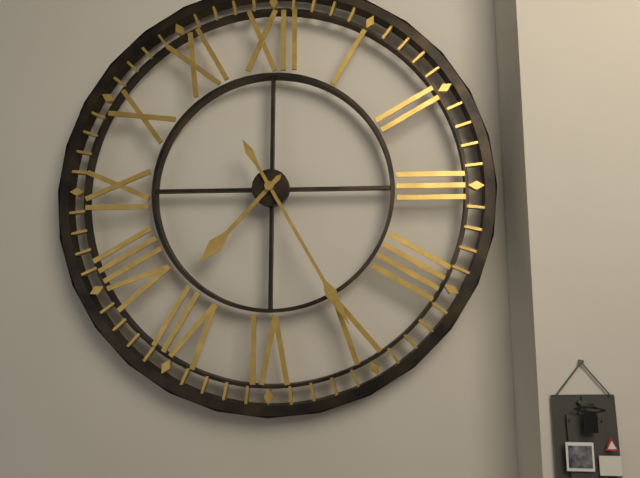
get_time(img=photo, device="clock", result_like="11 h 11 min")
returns 7 h 25 min
